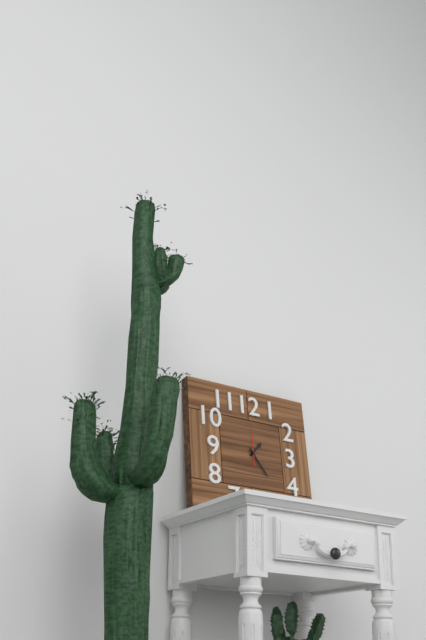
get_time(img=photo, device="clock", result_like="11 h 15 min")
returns 1 h 24 min
